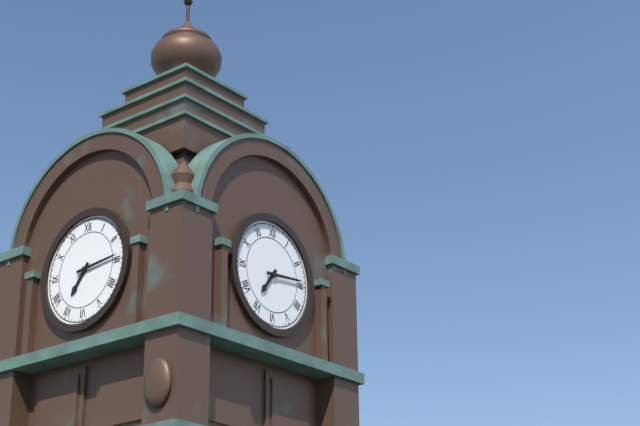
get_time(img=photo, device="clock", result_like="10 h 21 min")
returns 7 h 14 min
